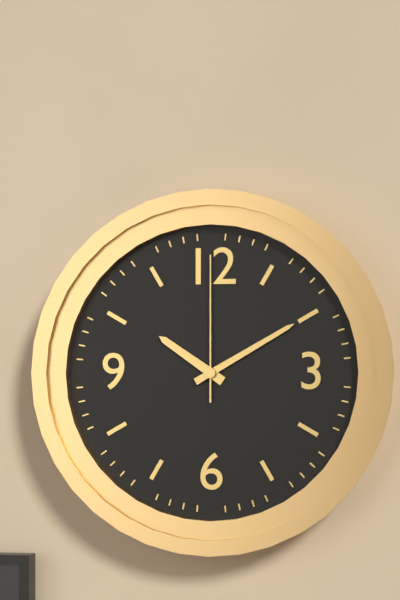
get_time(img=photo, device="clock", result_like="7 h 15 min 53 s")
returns 10 h 10 min 00 s
